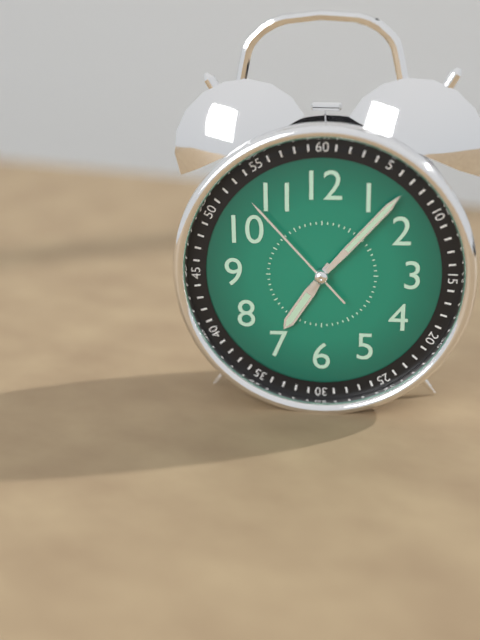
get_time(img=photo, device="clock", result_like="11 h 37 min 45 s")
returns 7 h 07 min 53 s
